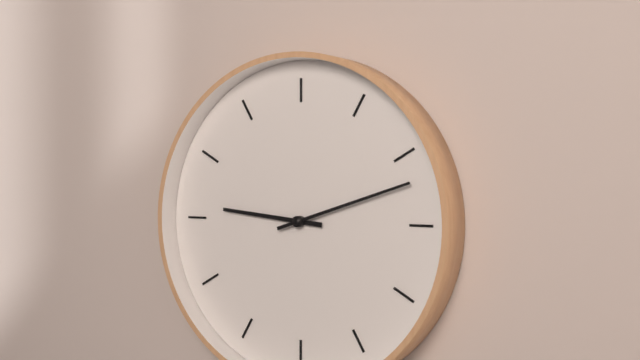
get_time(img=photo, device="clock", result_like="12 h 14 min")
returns 9 h 12 min
